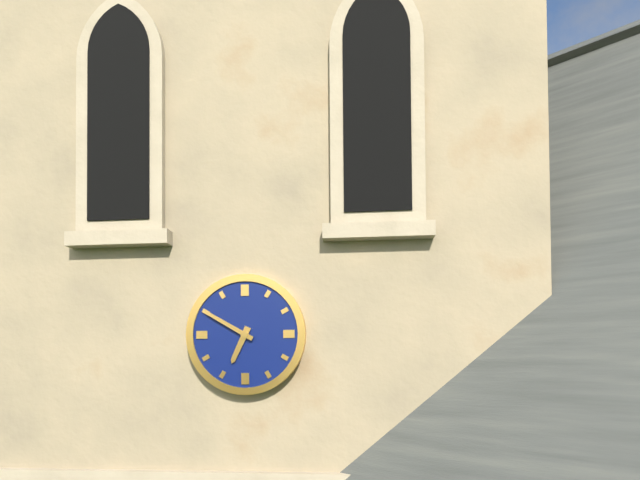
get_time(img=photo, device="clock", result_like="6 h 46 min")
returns 6 h 50 min
